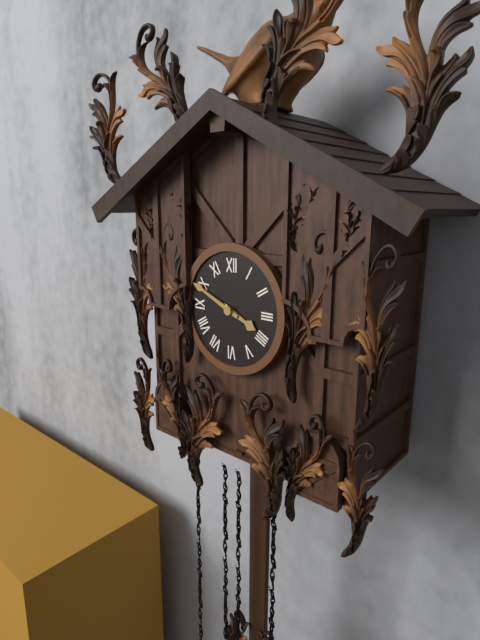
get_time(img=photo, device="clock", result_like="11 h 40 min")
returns 3 h 49 min
